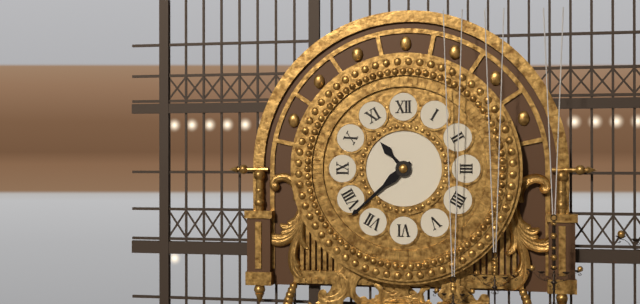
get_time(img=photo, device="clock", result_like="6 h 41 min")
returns 10 h 38 min
